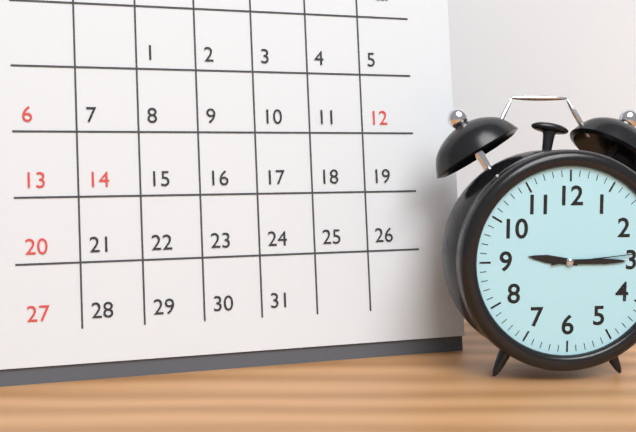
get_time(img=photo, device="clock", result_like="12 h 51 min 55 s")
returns 9 h 15 min 14 s
